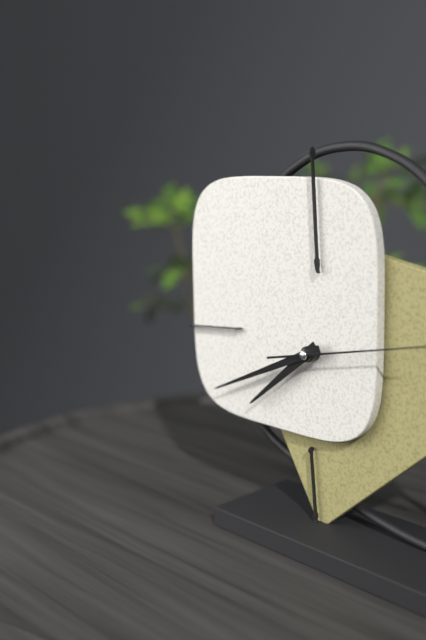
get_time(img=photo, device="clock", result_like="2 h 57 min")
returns 7 h 41 min
